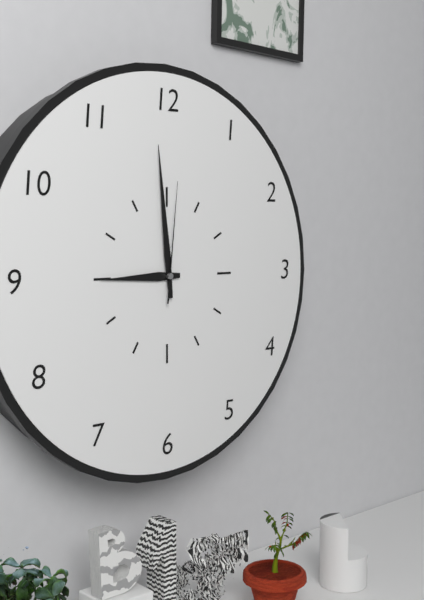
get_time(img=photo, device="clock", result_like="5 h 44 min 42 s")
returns 8 h 59 min 01 s
